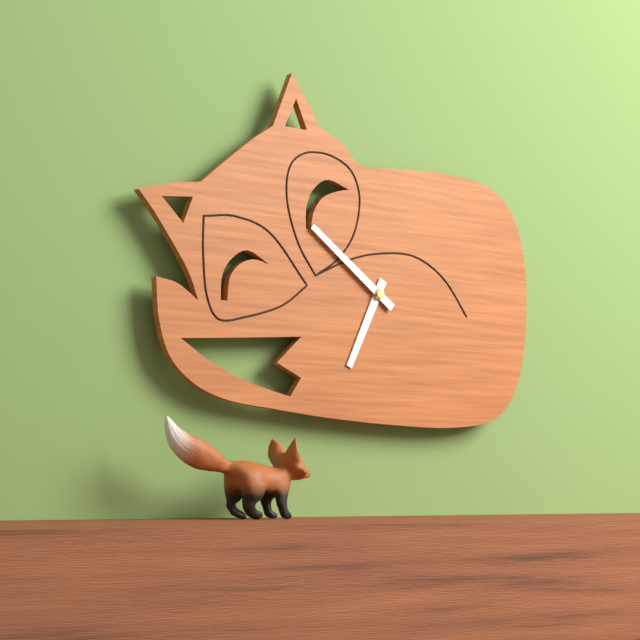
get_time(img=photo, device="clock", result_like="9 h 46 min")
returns 6 h 51 min
